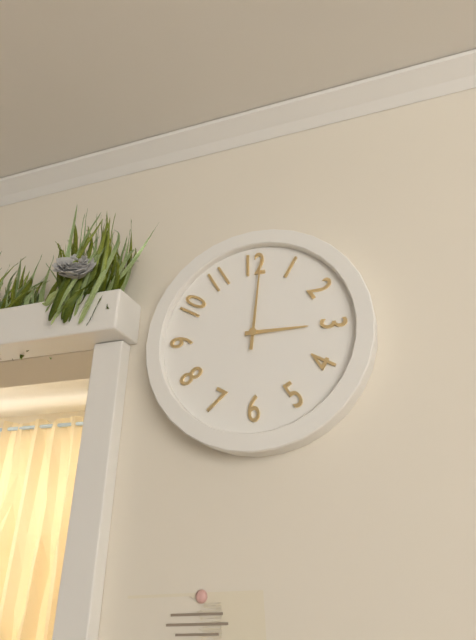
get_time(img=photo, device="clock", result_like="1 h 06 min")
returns 3 h 01 min
